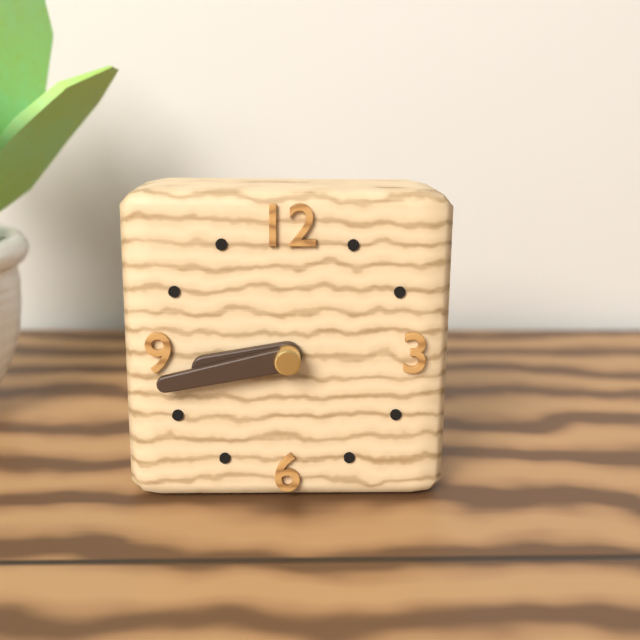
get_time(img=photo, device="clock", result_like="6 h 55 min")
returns 8 h 43 min
